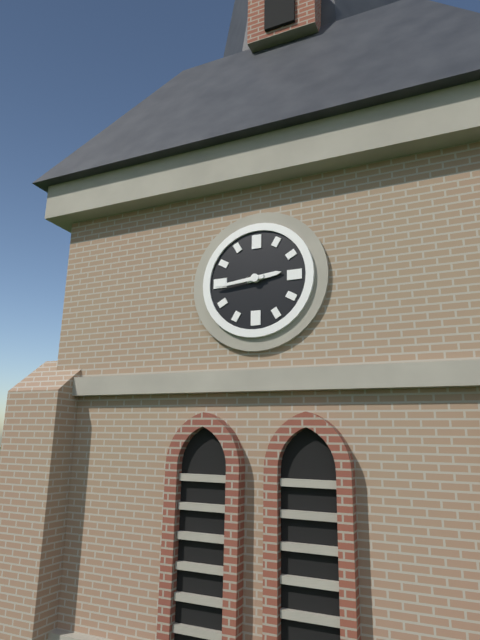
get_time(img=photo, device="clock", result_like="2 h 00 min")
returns 2 h 44 min
